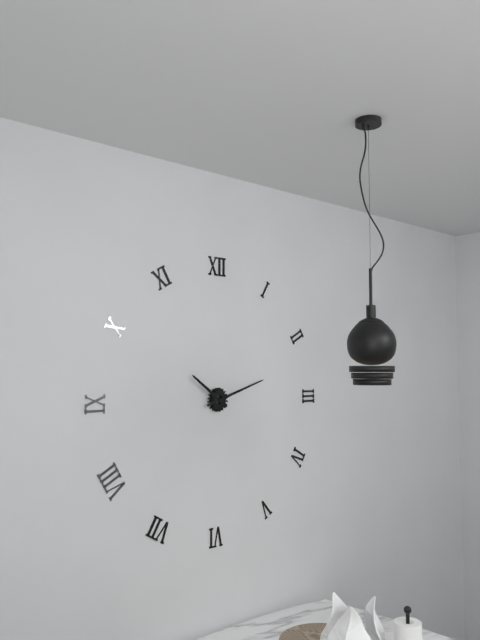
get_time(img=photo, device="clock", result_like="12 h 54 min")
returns 10 h 12 min
